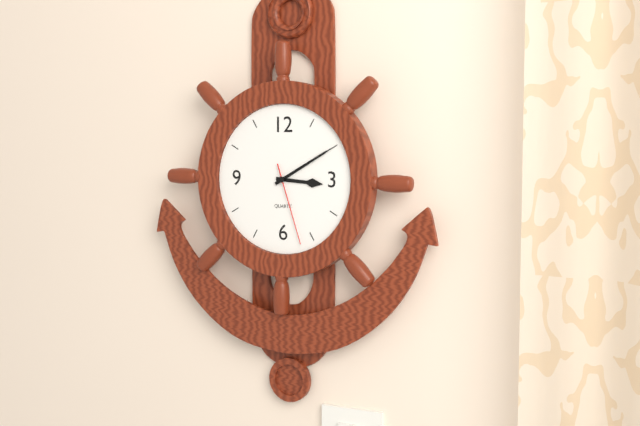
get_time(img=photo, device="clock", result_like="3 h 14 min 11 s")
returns 3 h 10 min 27 s
